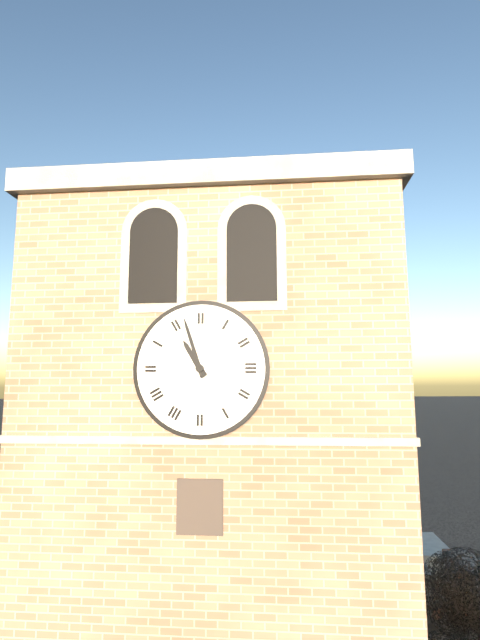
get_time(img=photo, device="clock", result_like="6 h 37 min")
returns 10 h 57 min
